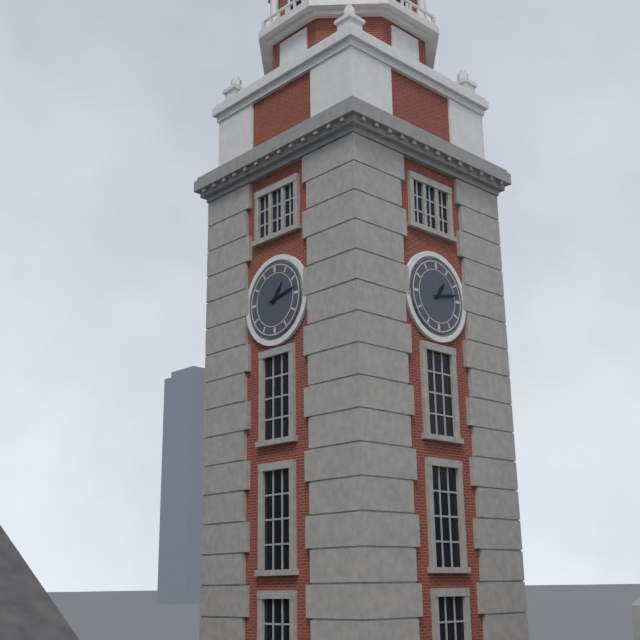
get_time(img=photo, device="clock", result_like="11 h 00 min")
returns 1 h 13 min
